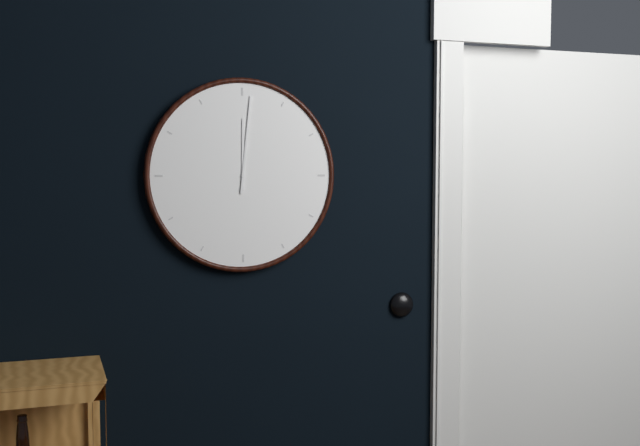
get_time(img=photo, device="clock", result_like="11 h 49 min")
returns 12 h 01 min
